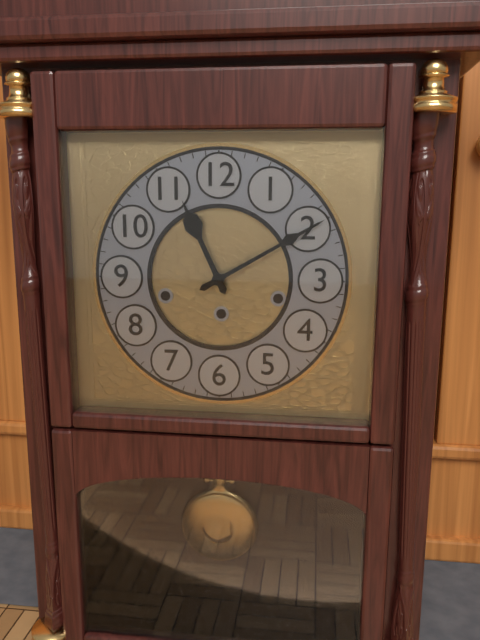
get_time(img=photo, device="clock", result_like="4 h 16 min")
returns 11 h 10 min
